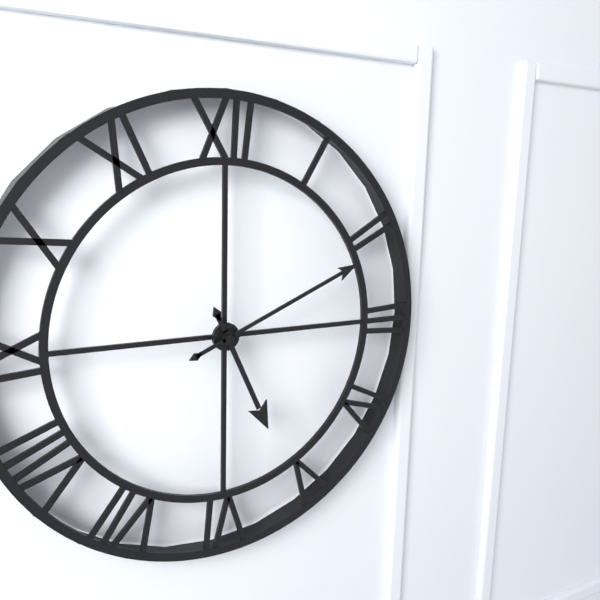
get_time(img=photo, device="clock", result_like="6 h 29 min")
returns 5 h 11 min
